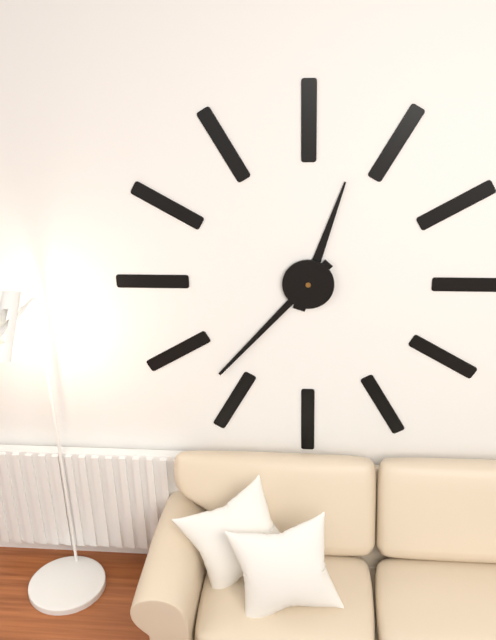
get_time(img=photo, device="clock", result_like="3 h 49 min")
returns 12 h 37 min
